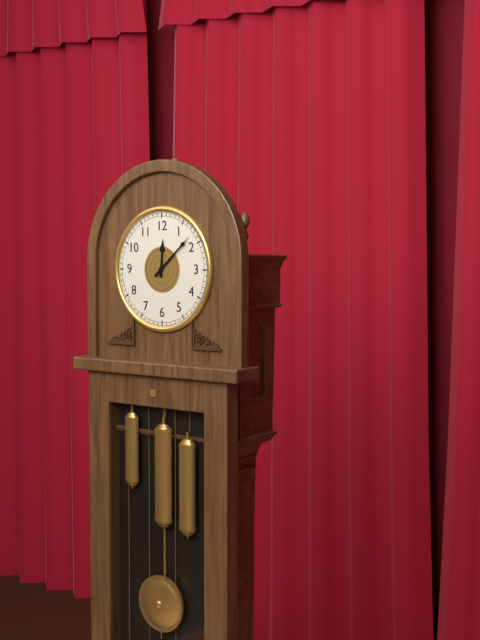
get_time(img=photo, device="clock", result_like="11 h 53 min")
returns 12 h 08 min
